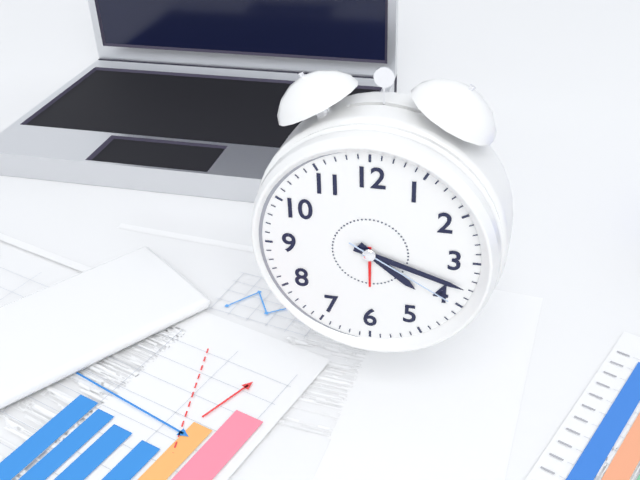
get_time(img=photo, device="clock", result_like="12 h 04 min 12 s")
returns 4 h 18 min 20 s
